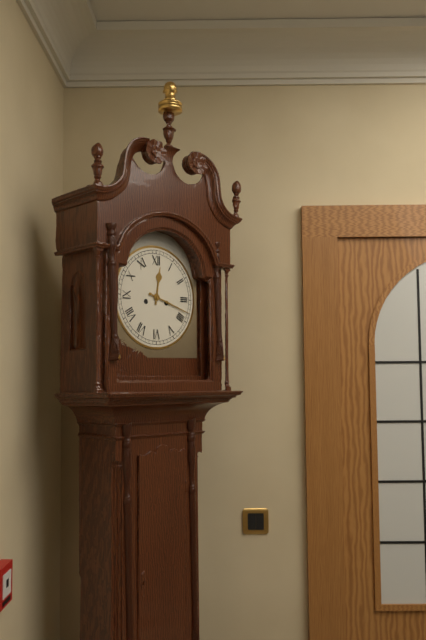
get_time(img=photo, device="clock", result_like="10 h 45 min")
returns 12 h 18 min
